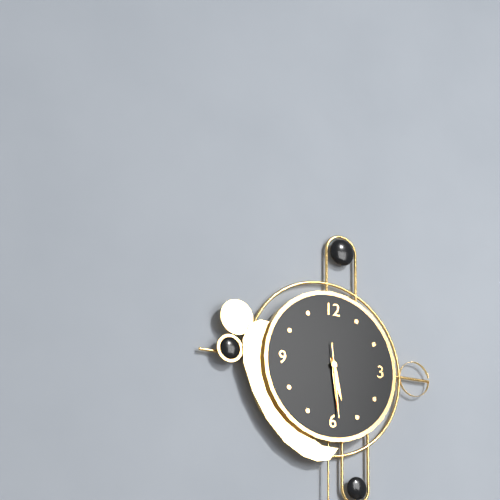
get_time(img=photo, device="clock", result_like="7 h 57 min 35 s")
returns 5 h 29 min 29 s
